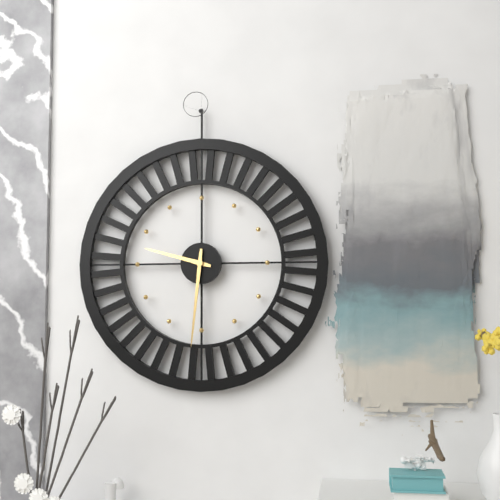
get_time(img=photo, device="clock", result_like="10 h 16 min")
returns 9 h 31 min
